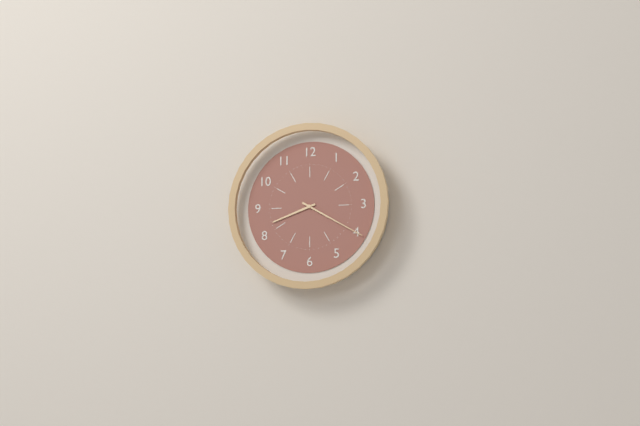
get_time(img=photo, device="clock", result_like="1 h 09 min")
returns 8 h 20 min
